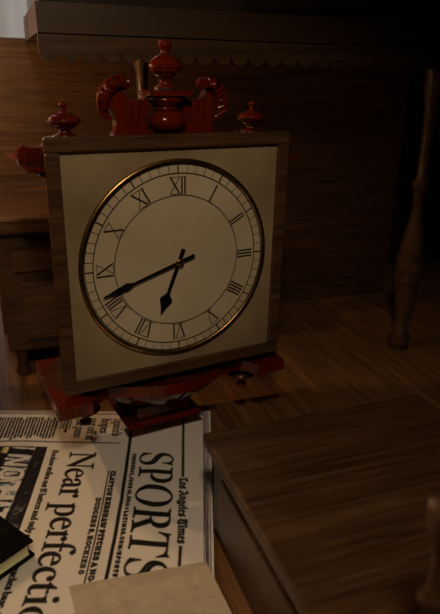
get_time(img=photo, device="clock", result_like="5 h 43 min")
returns 6 h 42 min
